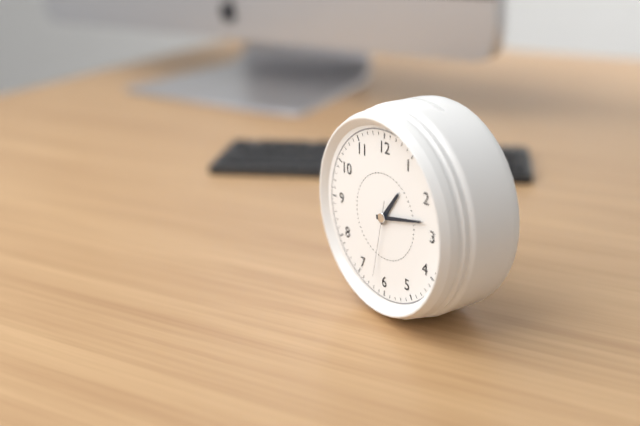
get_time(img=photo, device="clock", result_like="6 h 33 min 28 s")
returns 1 h 13 min 32 s
